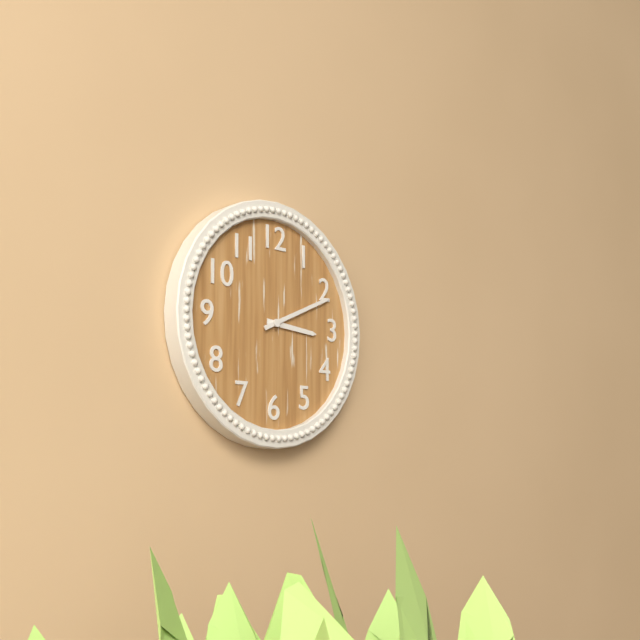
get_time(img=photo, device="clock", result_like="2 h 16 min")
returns 3 h 11 min
